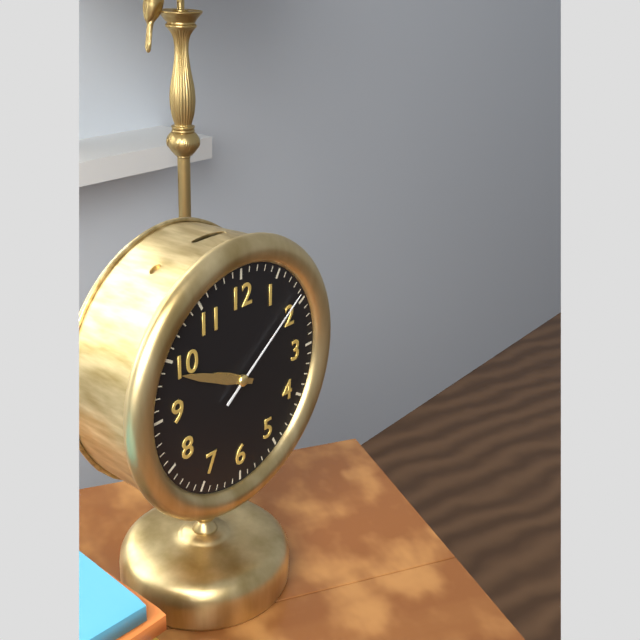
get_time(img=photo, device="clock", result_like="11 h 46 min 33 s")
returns 9 h 49 min 09 s
